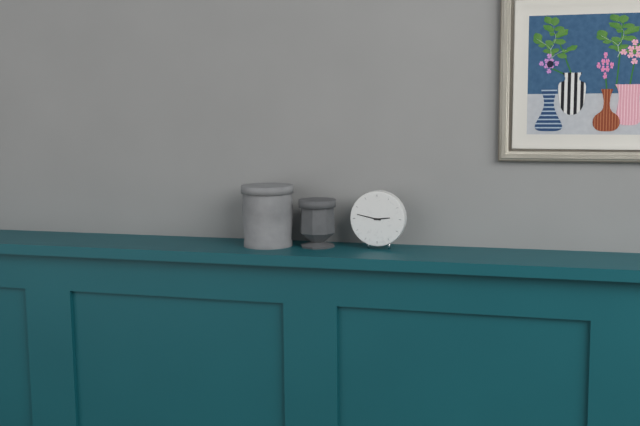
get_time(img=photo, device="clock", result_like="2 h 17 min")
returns 2 h 47 min
